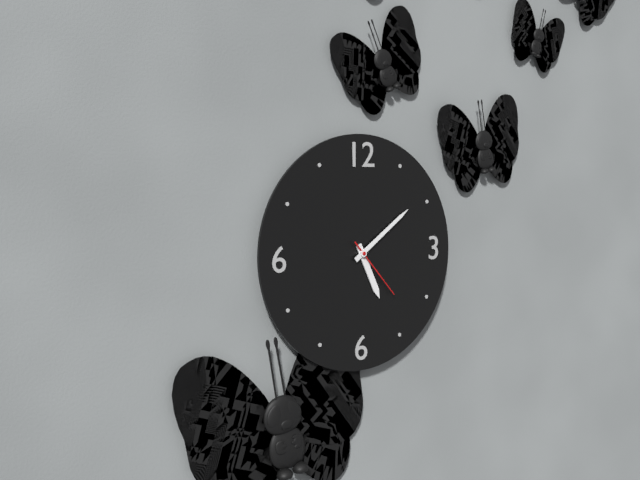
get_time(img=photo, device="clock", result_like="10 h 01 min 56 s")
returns 5 h 09 min 23 s
